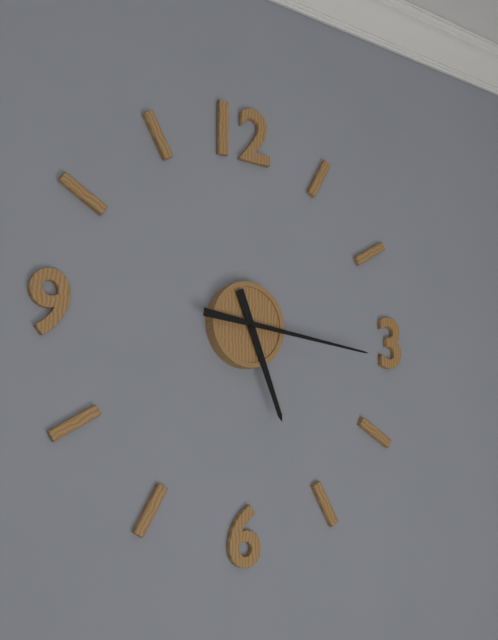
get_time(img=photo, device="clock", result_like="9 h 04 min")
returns 5 h 16 min
